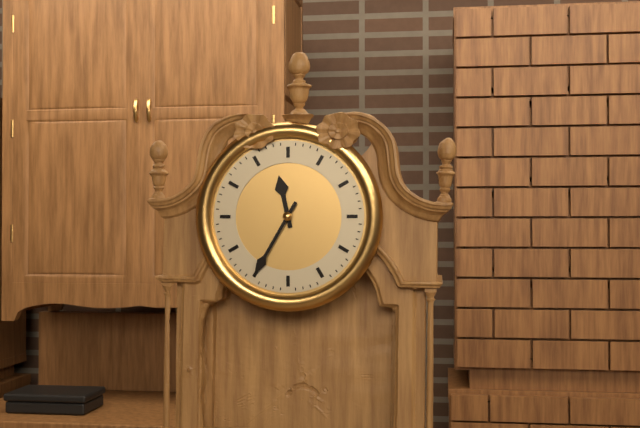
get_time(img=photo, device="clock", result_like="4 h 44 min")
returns 11 h 35 min
